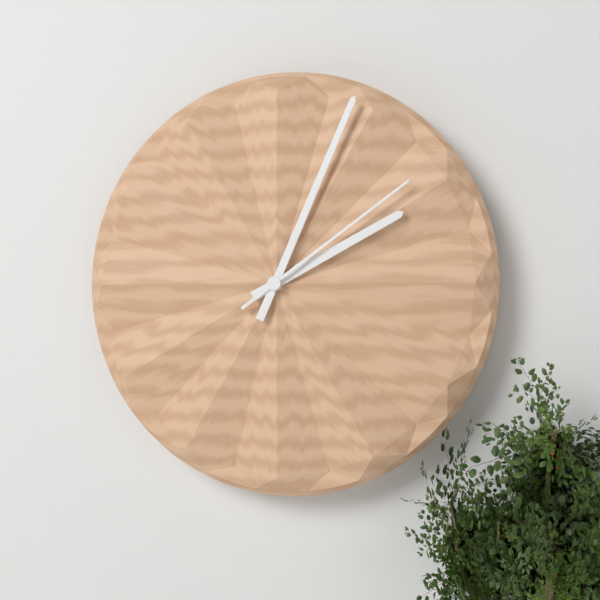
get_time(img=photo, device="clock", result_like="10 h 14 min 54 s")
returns 2 h 04 min 09 s
